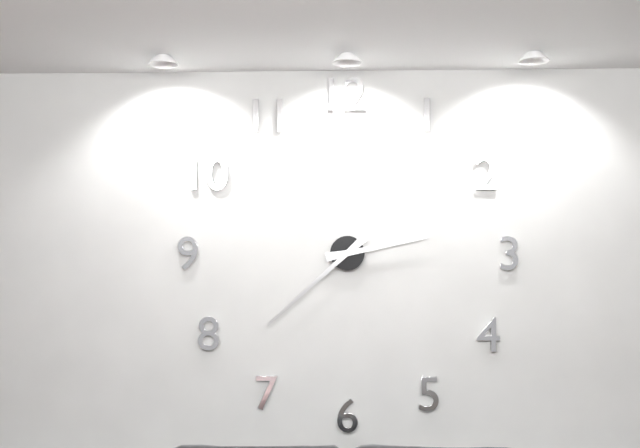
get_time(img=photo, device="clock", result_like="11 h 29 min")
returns 2 h 38 min
